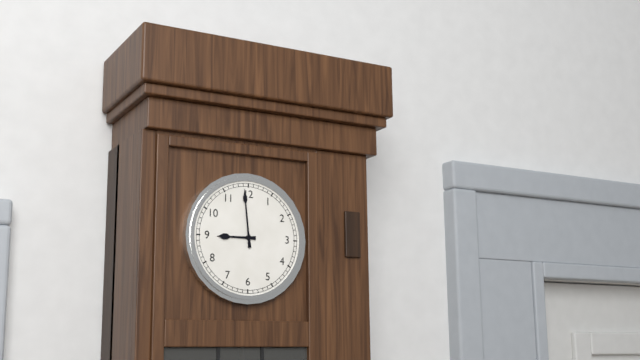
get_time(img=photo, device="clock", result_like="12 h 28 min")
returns 8 h 59 min
